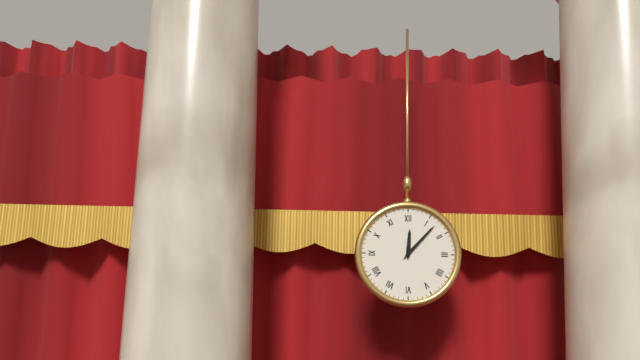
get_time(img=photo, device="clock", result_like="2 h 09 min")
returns 12 h 07 min
